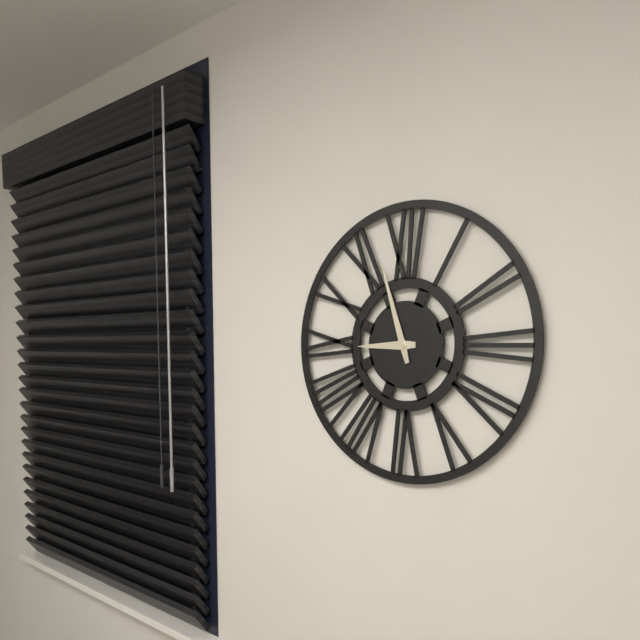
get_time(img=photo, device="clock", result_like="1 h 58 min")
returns 8 h 57 min
